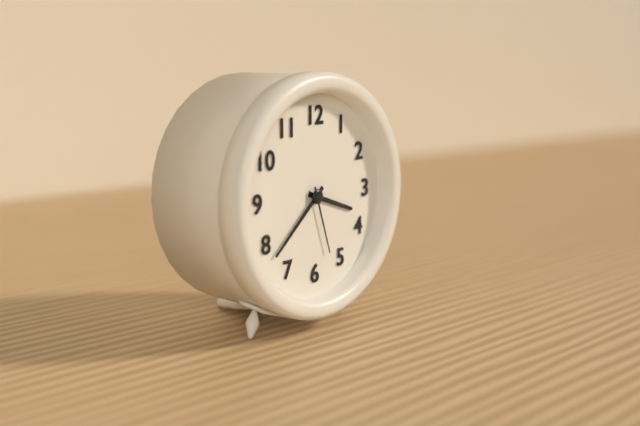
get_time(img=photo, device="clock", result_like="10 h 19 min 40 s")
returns 3 h 38 min 27 s
